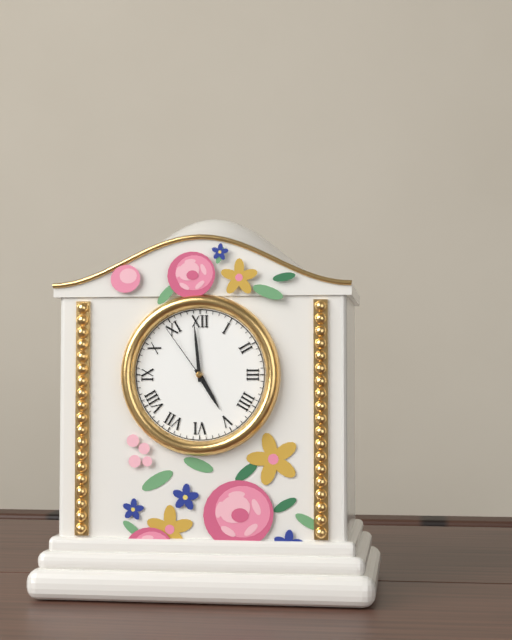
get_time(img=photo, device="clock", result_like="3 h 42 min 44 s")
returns 4 h 59 min 54 s
